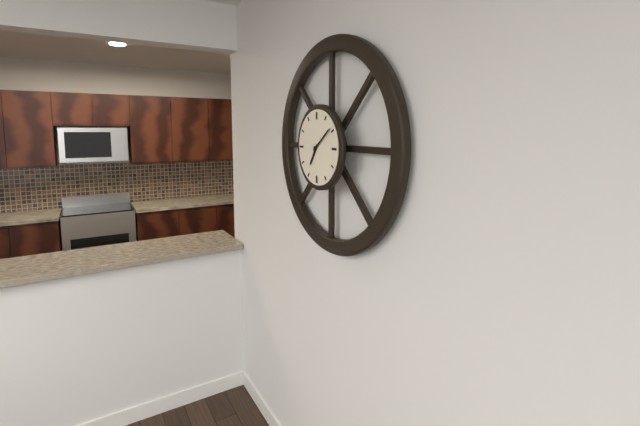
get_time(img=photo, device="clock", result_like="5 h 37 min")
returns 7 h 09 min
